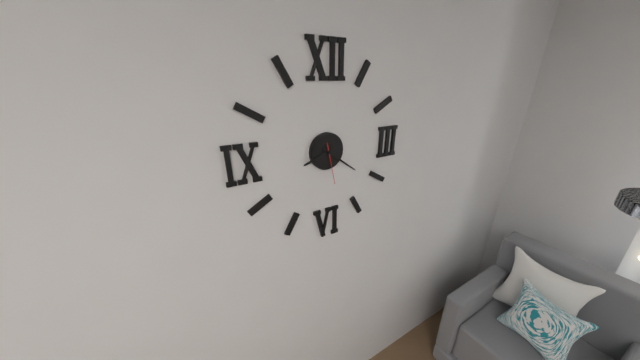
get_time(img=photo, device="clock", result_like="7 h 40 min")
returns 8 h 21 min
